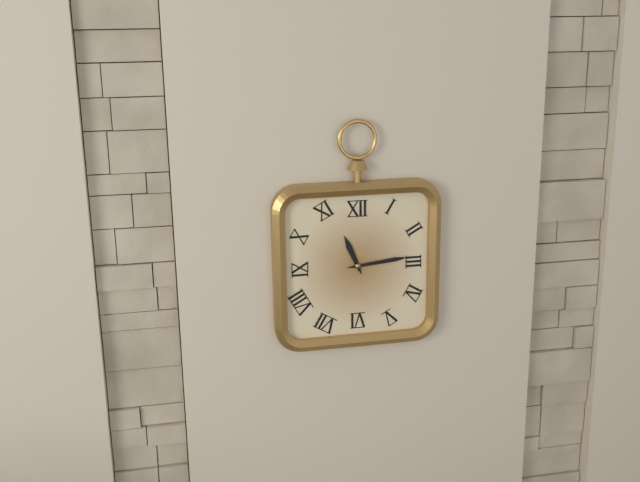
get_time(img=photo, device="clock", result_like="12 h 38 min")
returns 11 h 14 min
